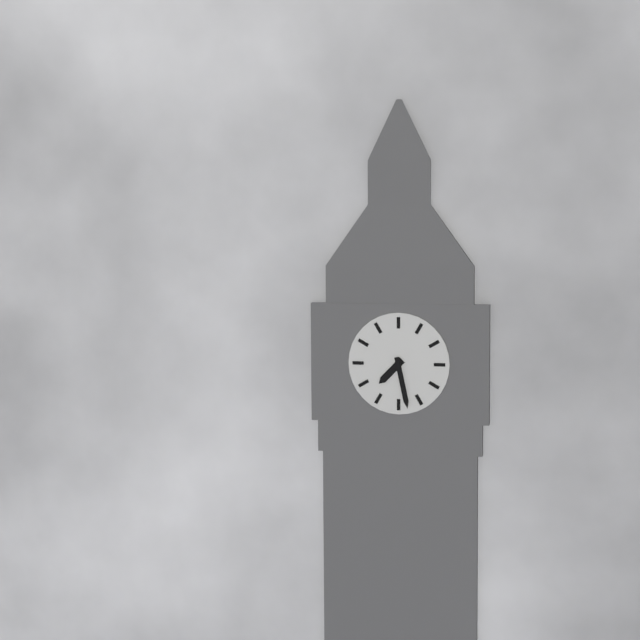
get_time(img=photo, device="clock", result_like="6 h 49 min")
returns 7 h 28 min
